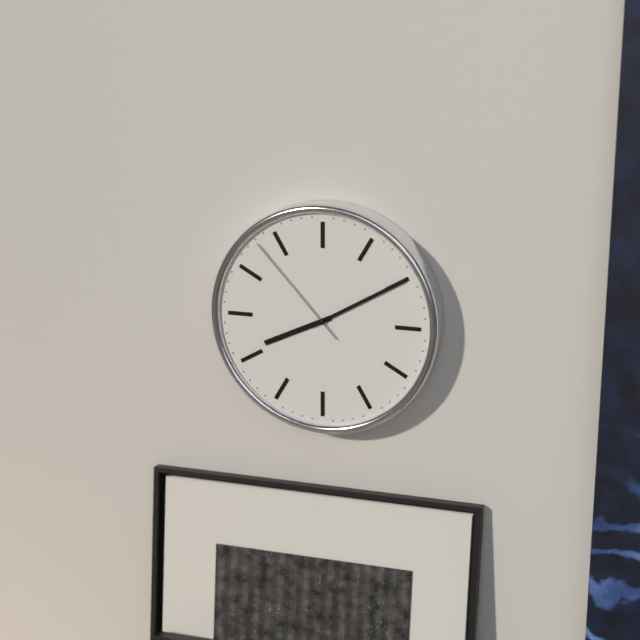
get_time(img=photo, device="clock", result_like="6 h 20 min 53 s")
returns 8 h 10 min 53 s
